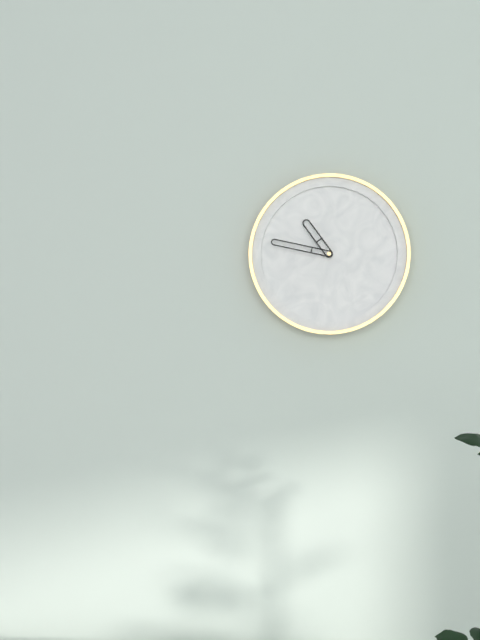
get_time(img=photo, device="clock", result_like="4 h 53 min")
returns 10 h 47 min
